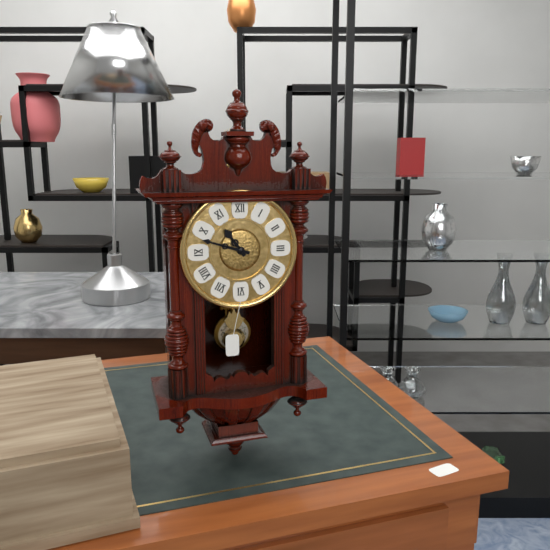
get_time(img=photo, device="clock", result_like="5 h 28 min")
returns 10 h 48 min
